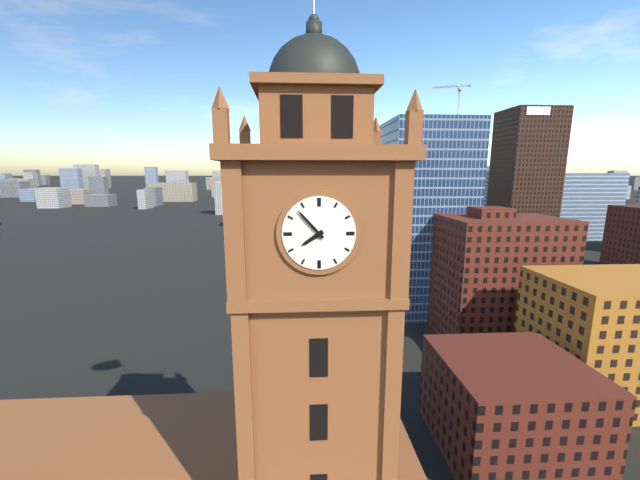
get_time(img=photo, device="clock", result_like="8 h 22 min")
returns 7 h 53 min
